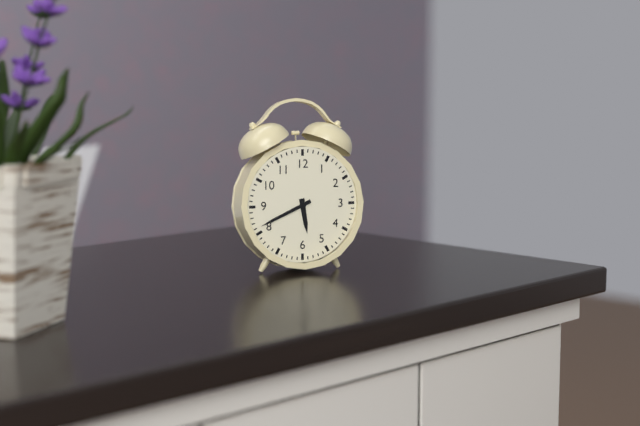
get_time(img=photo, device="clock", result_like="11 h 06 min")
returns 5 h 41 min
